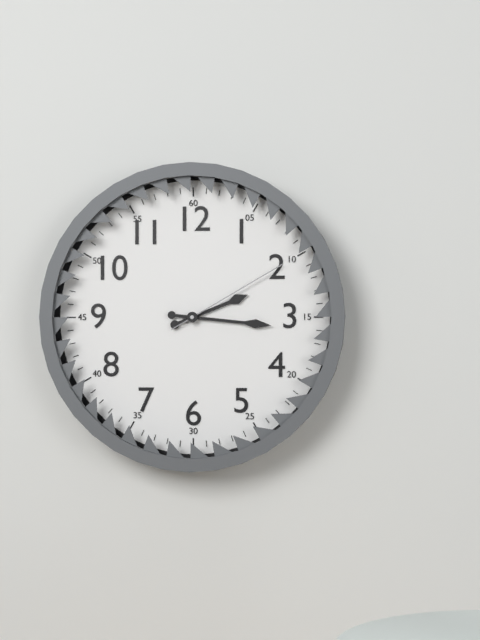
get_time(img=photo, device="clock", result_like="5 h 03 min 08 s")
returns 2 h 16 min 10 s
